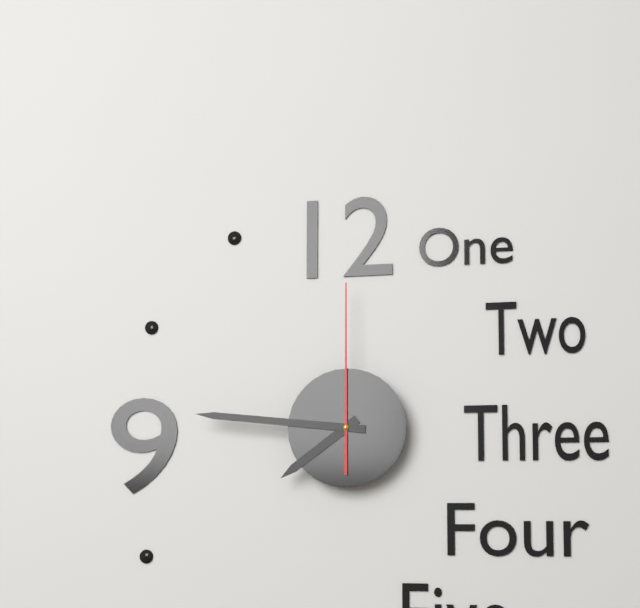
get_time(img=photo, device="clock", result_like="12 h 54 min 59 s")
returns 7 h 46 min 00 s
